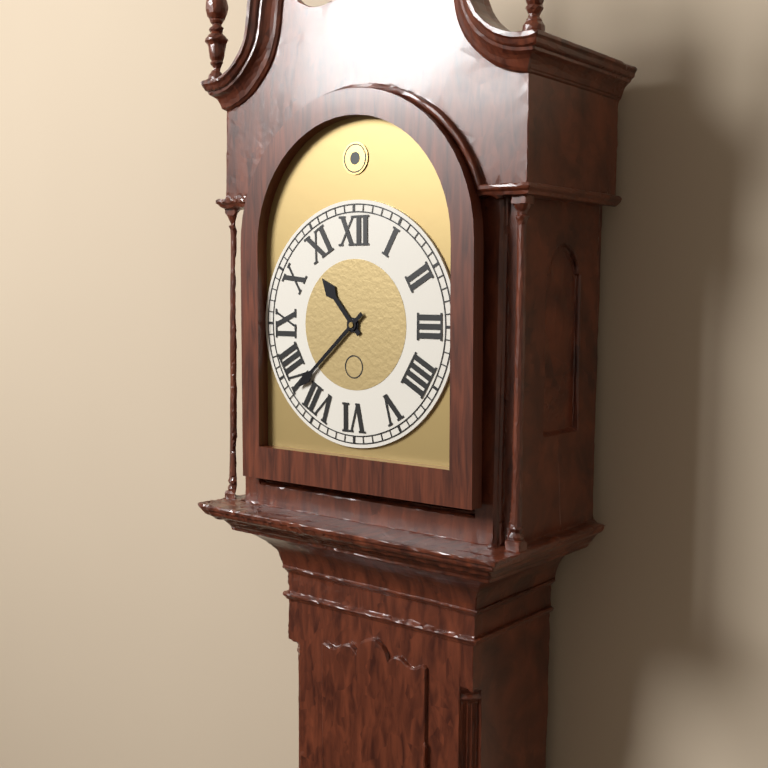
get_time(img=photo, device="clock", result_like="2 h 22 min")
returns 10 h 38 min
